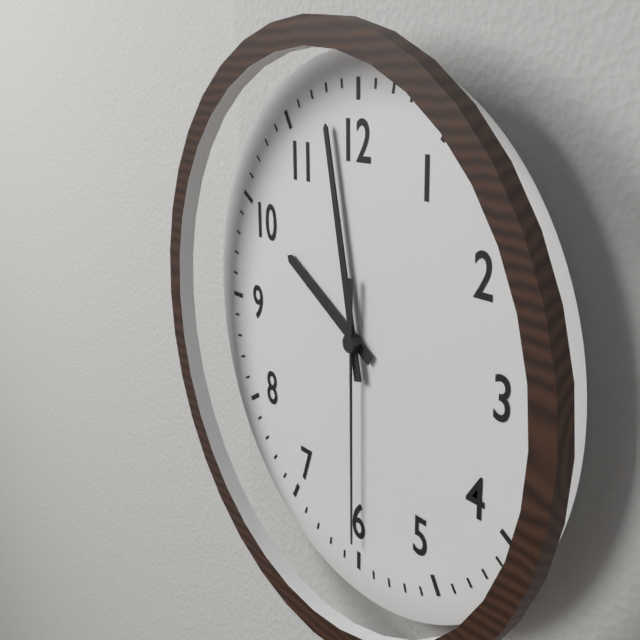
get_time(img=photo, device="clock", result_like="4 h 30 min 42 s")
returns 9 h 58 min 30 s
